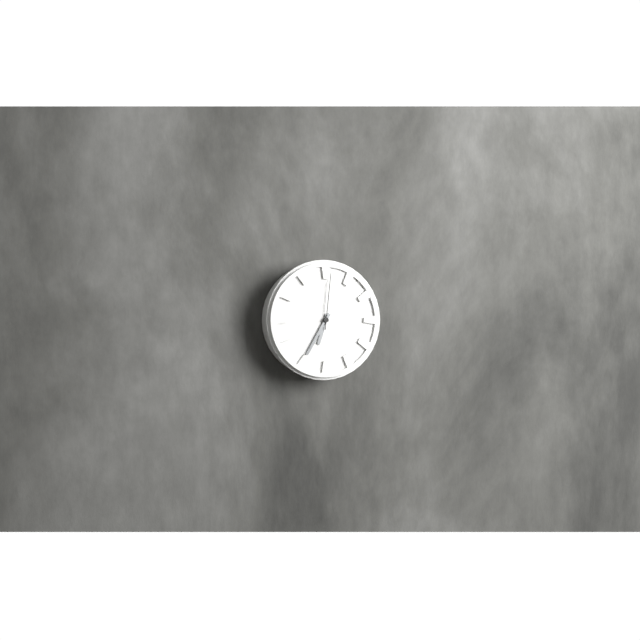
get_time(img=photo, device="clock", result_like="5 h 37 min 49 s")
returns 6 h 35 min 01 s
